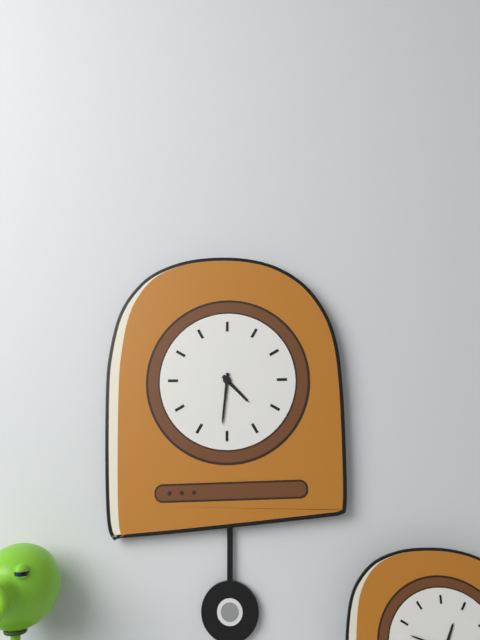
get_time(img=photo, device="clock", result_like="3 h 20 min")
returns 4 h 31 min
